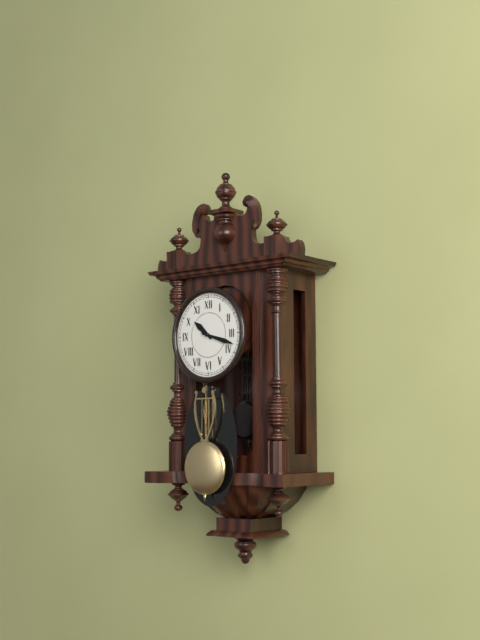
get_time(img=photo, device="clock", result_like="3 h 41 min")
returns 10 h 18 min
